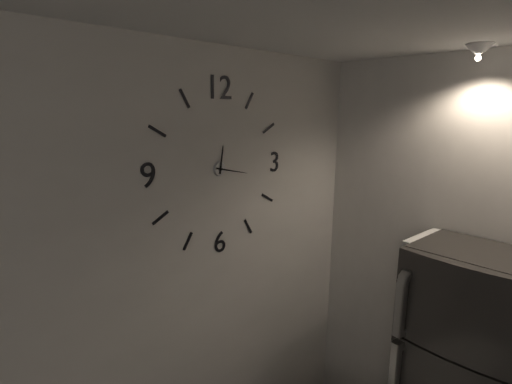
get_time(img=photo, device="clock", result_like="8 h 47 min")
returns 12 h 17 min
